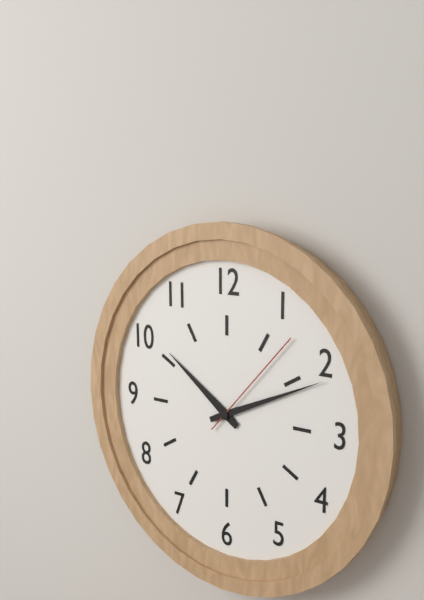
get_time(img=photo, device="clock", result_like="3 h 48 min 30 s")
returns 10 h 11 min 07 s
